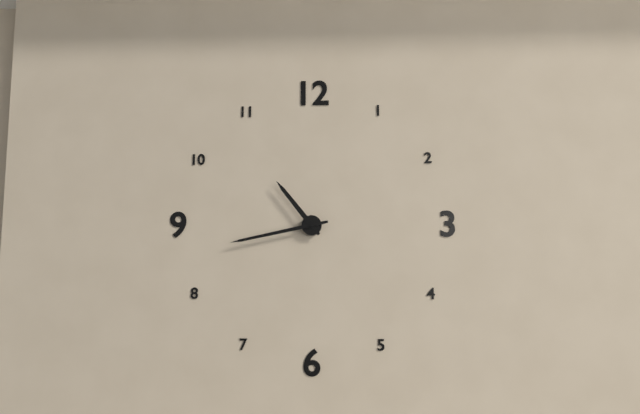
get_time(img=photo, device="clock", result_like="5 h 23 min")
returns 10 h 43 min
